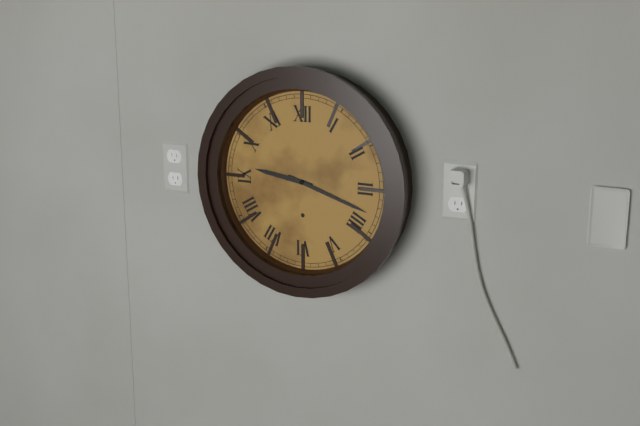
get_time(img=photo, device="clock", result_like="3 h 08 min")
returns 9 h 18 min
